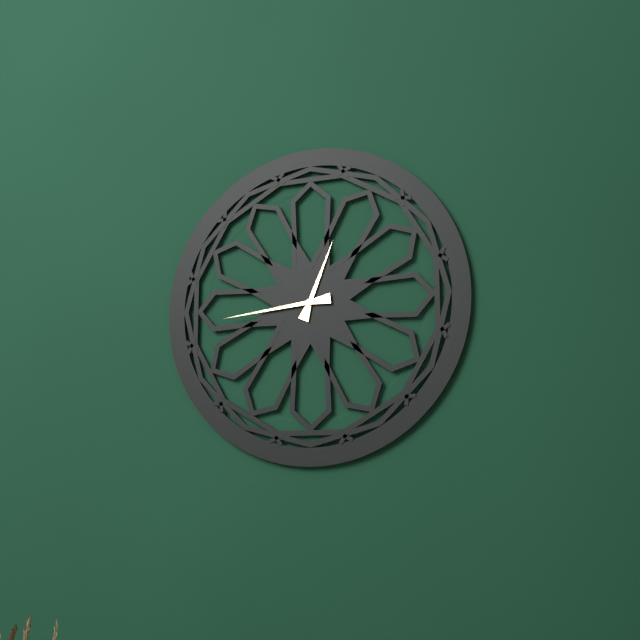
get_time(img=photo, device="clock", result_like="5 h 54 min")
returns 12 h 44 min
